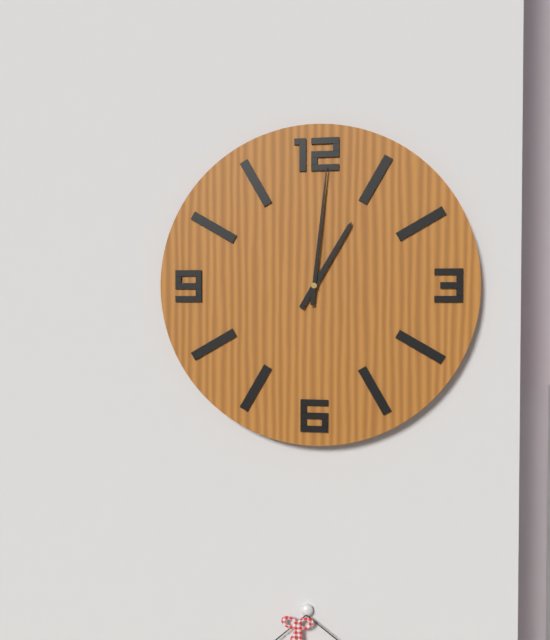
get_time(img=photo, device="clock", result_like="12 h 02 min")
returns 1 h 01 min
